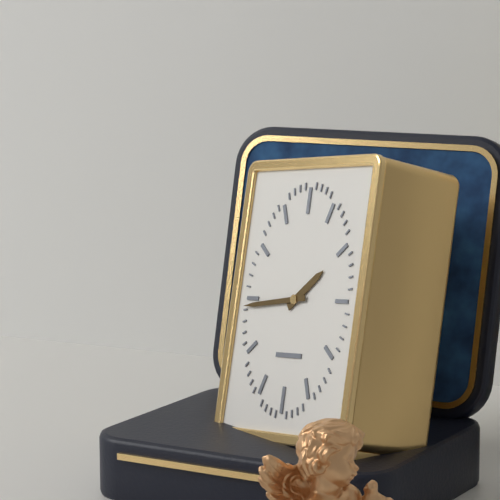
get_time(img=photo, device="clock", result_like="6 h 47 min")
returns 1 h 44 min
